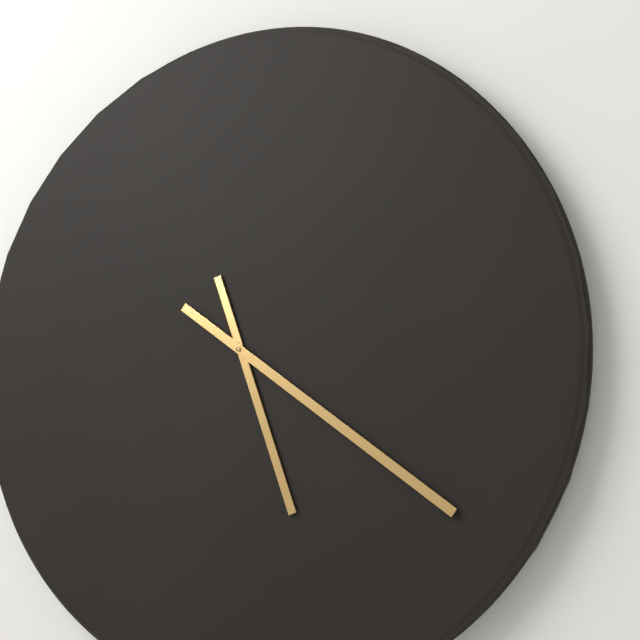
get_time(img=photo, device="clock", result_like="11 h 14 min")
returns 5 h 21 min
